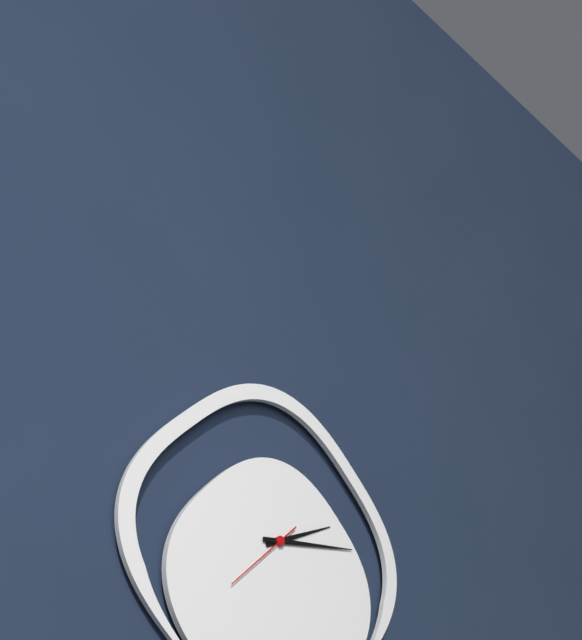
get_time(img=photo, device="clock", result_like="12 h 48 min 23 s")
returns 2 h 14 min 38 s
